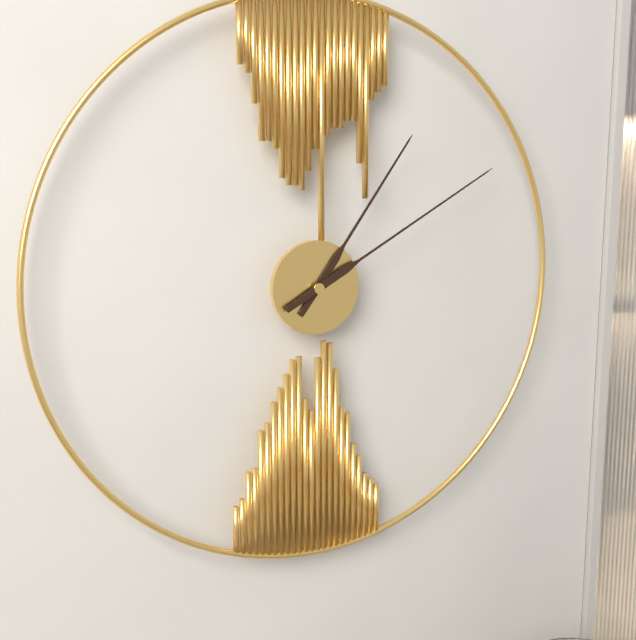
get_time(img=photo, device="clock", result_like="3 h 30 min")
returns 1 h 10 min
